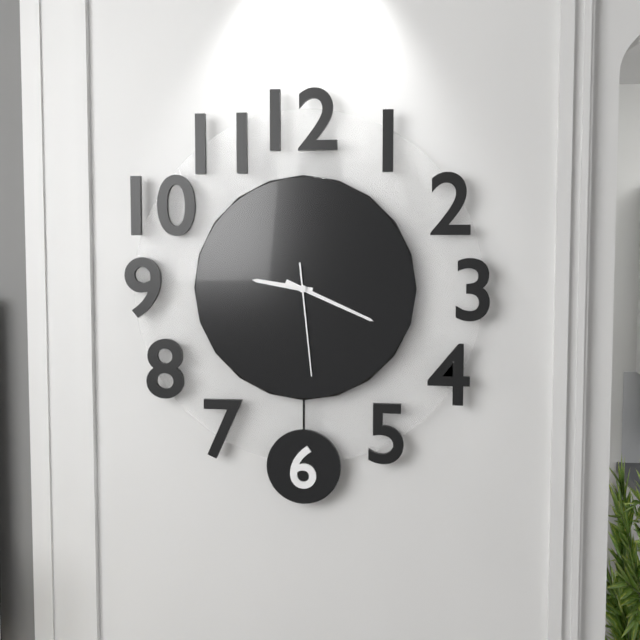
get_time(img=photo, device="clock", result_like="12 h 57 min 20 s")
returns 9 h 19 min 29 s
